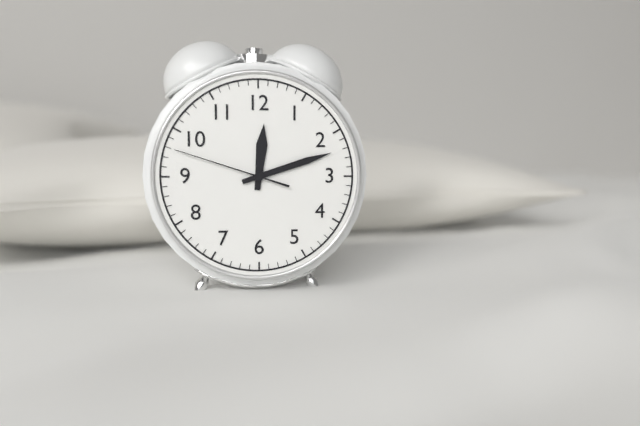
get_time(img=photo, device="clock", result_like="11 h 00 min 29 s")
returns 12 h 12 min 48 s
